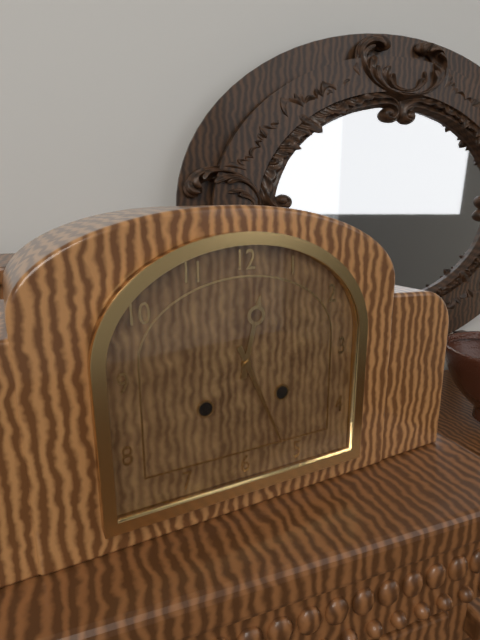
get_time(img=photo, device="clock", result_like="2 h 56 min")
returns 12 h 26 min
